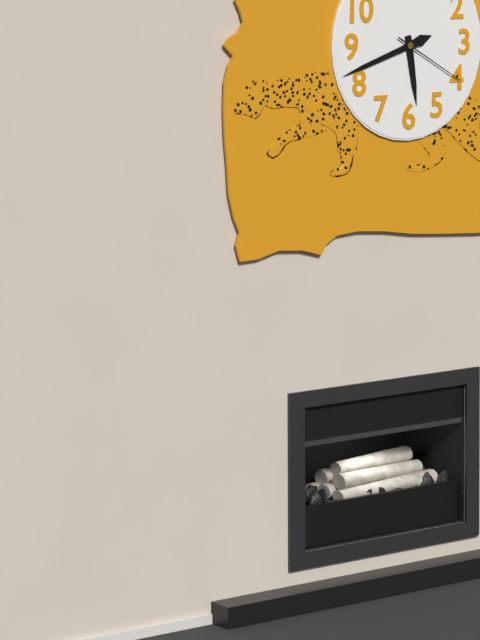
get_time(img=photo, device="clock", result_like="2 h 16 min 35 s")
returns 5 h 42 min 20 s
